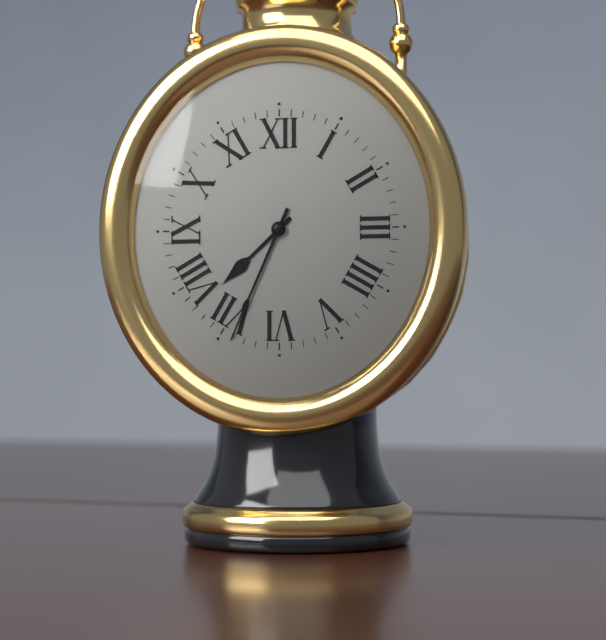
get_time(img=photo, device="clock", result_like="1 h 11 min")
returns 7 h 34 min
